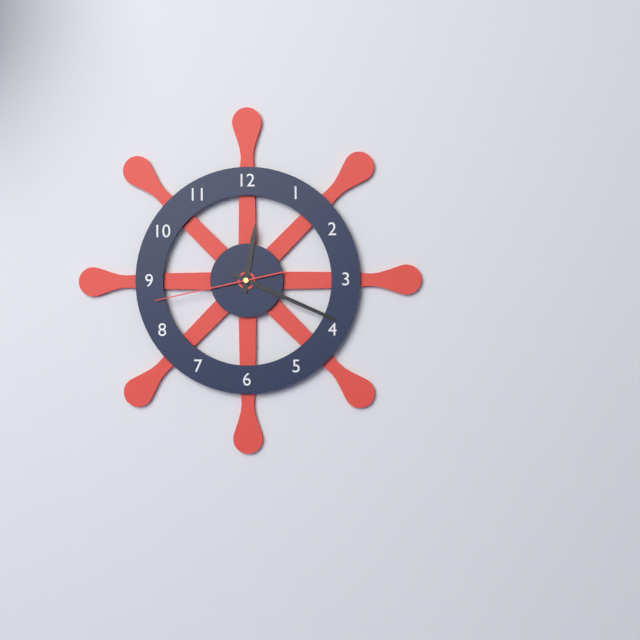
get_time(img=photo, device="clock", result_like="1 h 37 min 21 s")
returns 12 h 19 min 43 s
